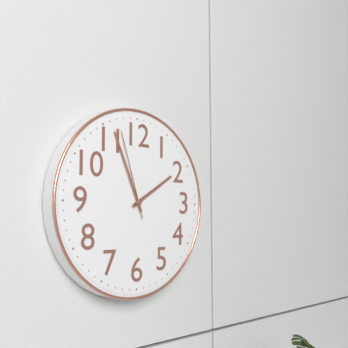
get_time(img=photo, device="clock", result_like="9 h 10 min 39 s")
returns 1 h 56 min 57 s
